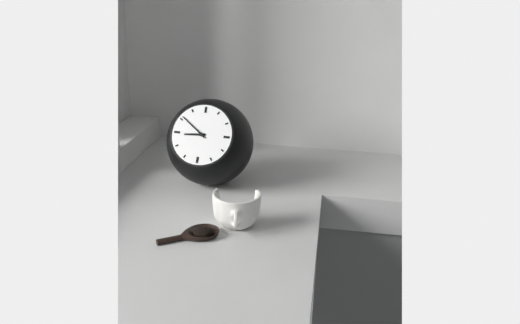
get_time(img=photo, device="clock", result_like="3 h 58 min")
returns 8 h 51 min
